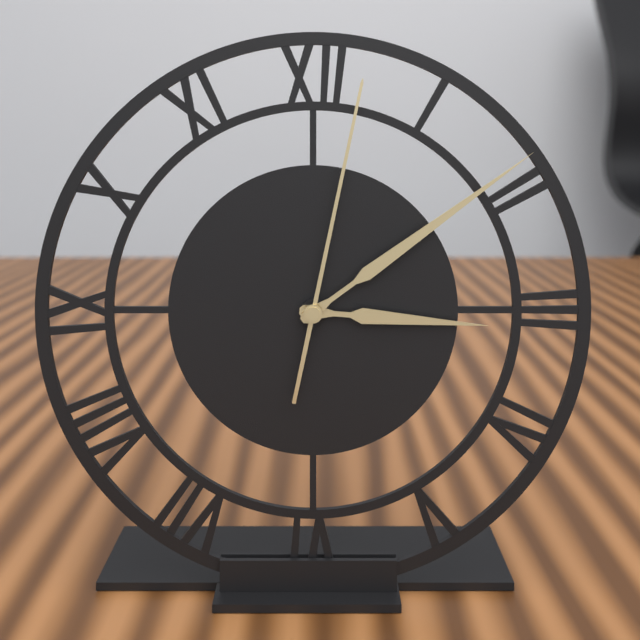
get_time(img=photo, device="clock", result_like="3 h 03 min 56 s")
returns 3 h 09 min 02 s
